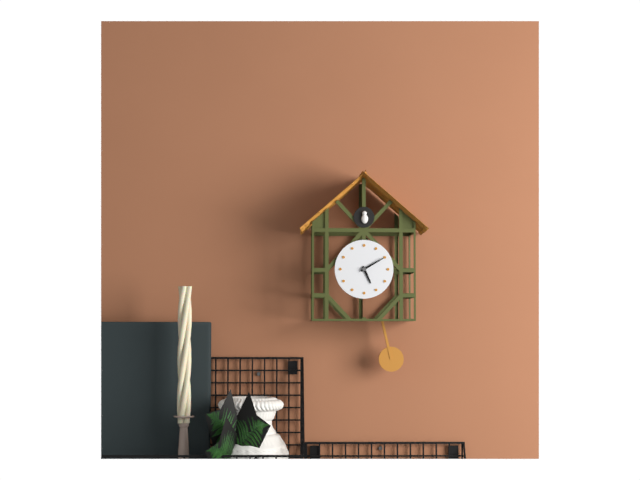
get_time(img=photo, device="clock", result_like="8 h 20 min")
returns 5 h 10 min
